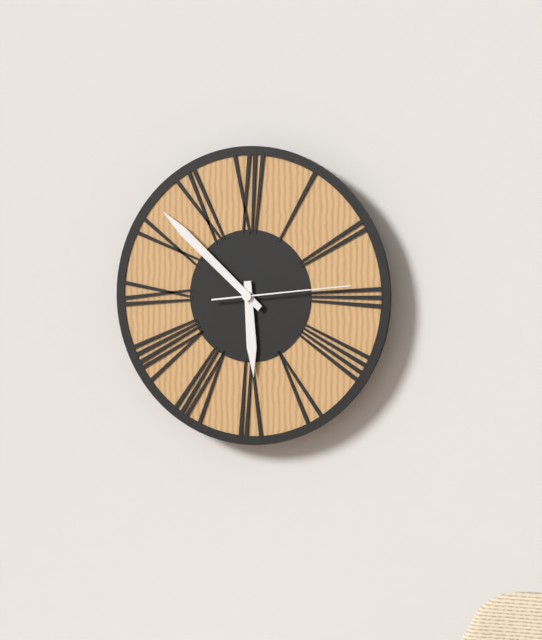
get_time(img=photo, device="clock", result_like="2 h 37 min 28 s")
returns 5 h 52 min 14 s
